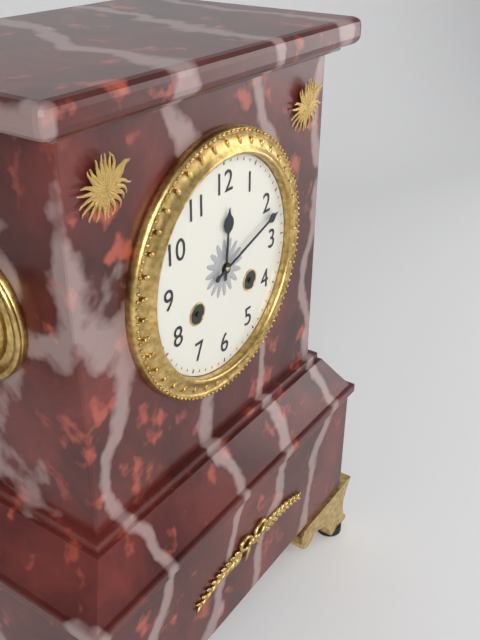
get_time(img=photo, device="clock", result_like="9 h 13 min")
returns 12 h 12 min
